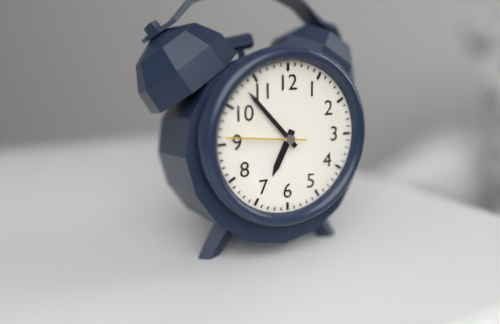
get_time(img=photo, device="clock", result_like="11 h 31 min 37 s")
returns 6 h 53 min 46 s
